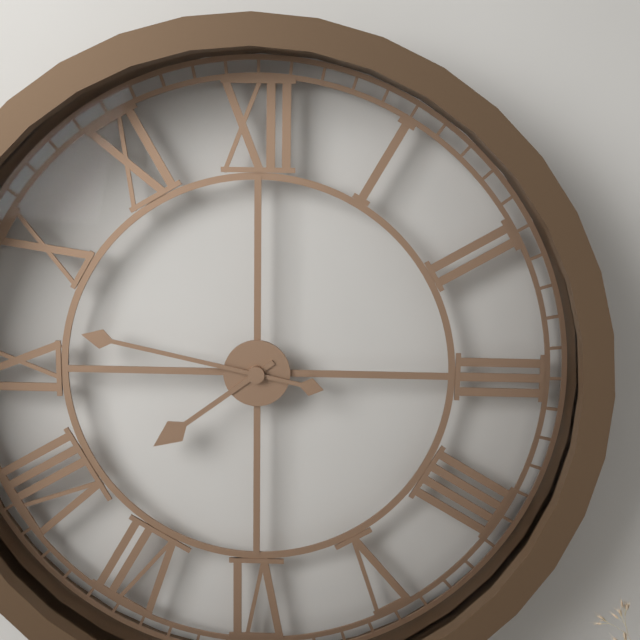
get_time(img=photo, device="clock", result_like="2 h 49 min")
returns 7 h 47 min
